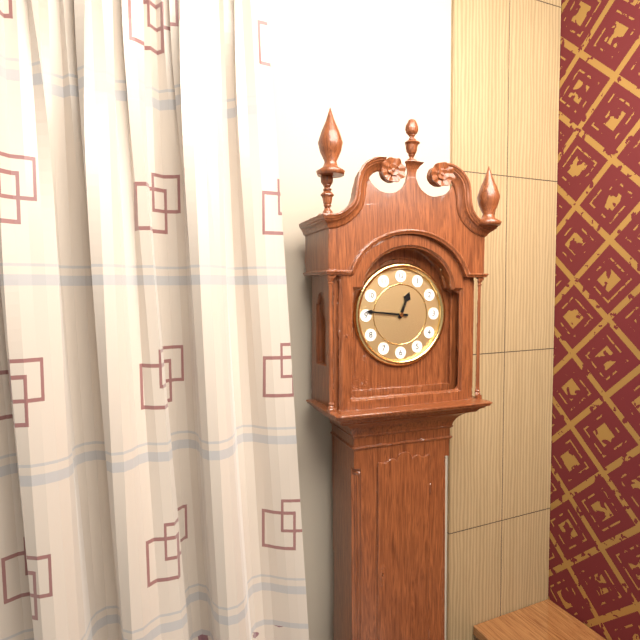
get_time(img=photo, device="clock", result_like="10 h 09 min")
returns 12 h 46 min
